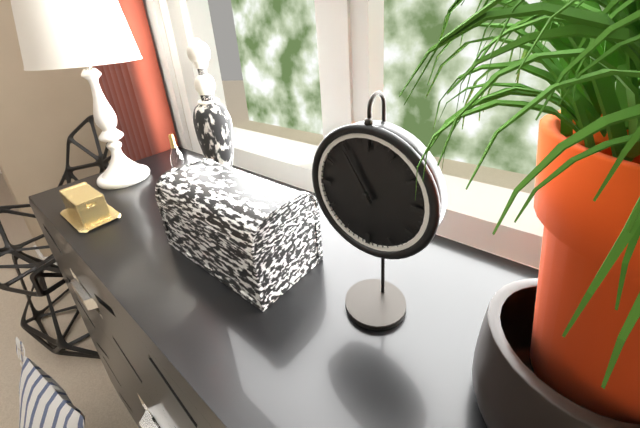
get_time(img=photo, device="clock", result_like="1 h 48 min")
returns 10 h 55 min
